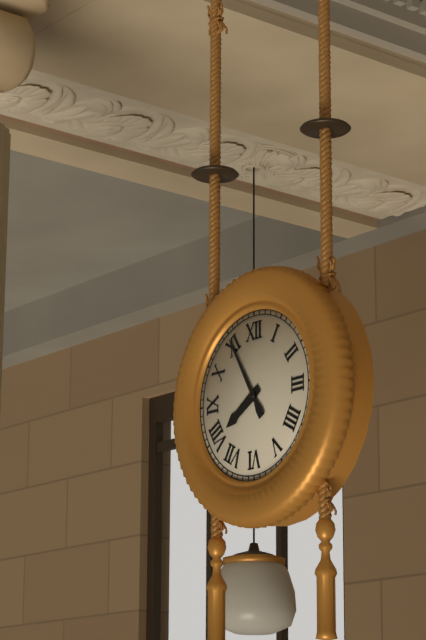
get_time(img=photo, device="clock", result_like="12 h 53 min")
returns 7 h 55 min
